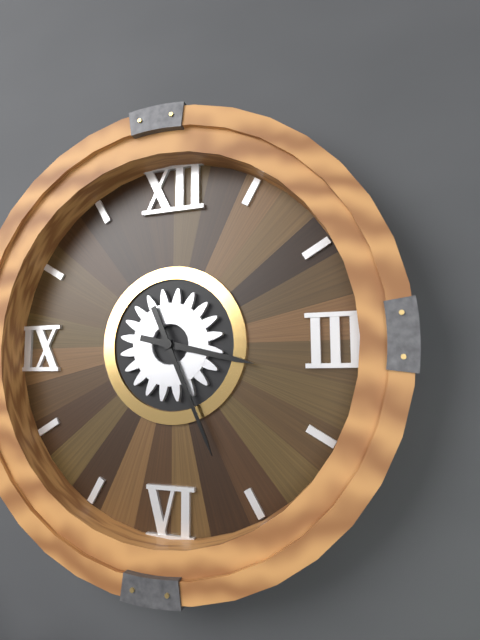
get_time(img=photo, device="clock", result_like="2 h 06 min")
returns 3 h 26 min
